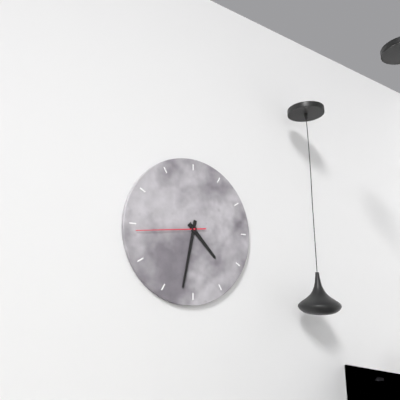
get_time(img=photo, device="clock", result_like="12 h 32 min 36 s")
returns 4 h 32 min 44 s
